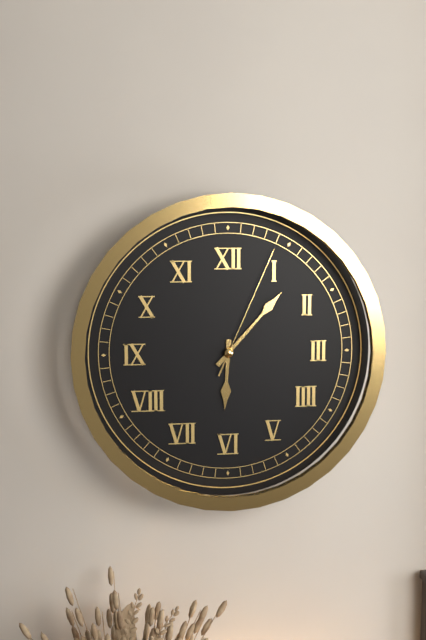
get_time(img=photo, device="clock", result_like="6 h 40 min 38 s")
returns 6 h 07 min 04 s
